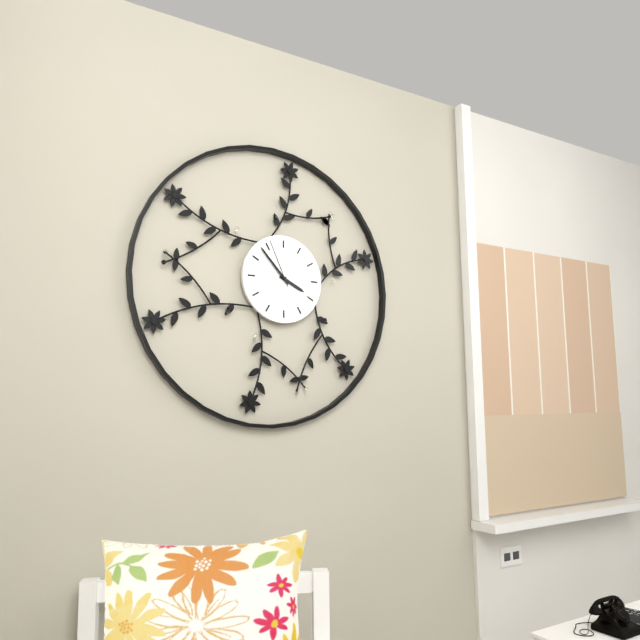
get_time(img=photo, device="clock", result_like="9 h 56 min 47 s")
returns 3 h 53 min 56 s
